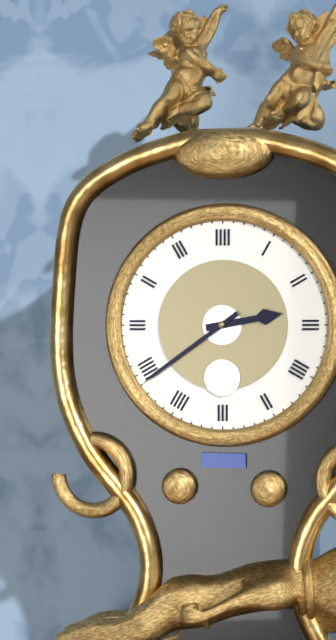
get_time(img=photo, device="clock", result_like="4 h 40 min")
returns 2 h 39 min
